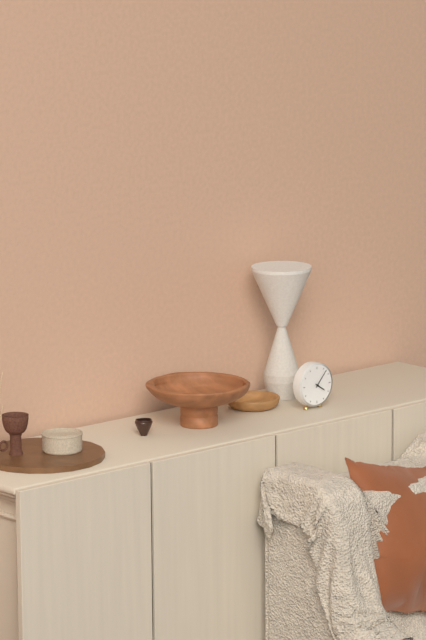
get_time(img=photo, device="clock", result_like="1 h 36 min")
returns 4 h 07 min
